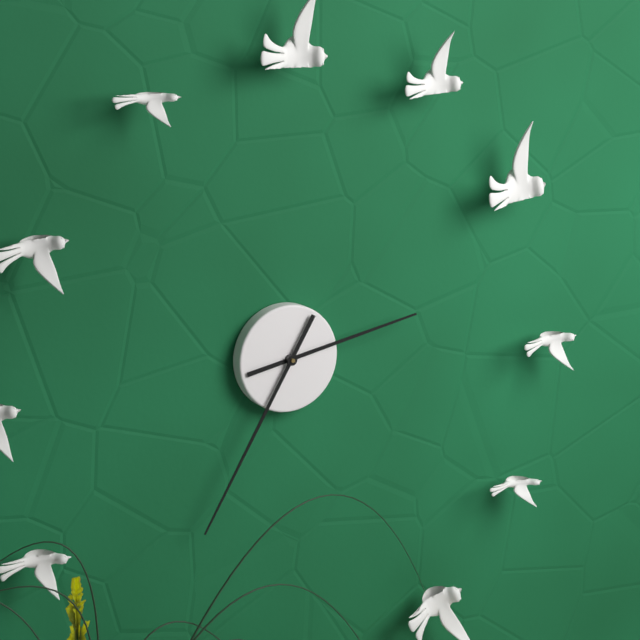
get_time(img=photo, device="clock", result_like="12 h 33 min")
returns 2 h 35 min
